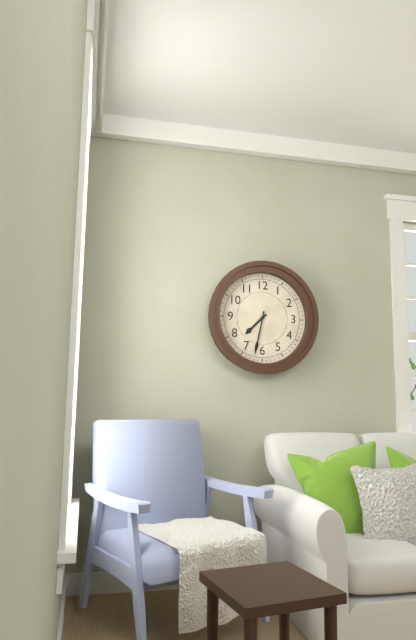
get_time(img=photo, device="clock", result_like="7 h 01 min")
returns 7 h 32 min
